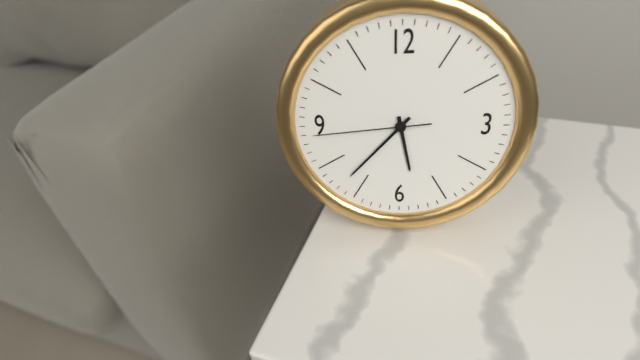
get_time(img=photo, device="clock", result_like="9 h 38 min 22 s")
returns 5 h 37 min 44 s
